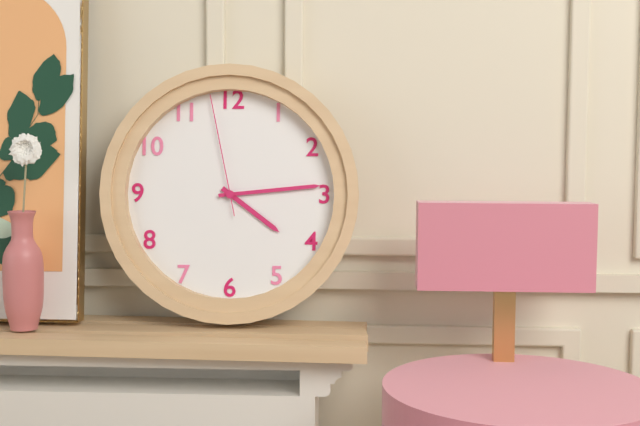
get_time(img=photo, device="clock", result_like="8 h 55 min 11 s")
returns 4 h 14 min 58 s
